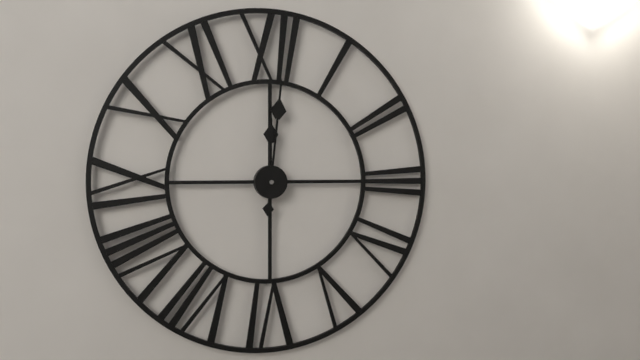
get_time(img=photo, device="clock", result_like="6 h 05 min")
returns 12 h 01 min
